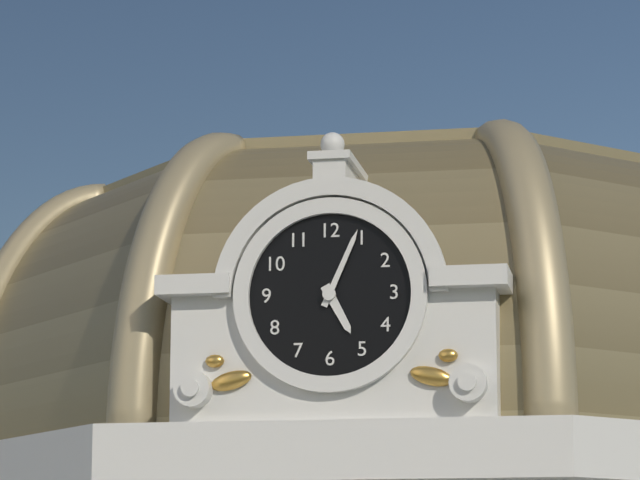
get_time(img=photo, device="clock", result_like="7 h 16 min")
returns 5 h 04 min
